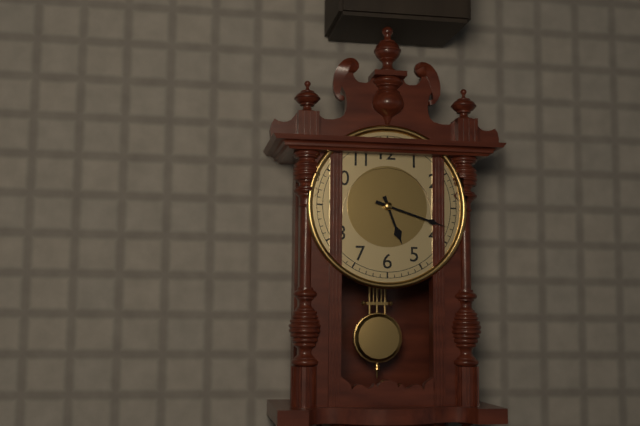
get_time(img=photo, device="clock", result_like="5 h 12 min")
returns 5 h 18 min
